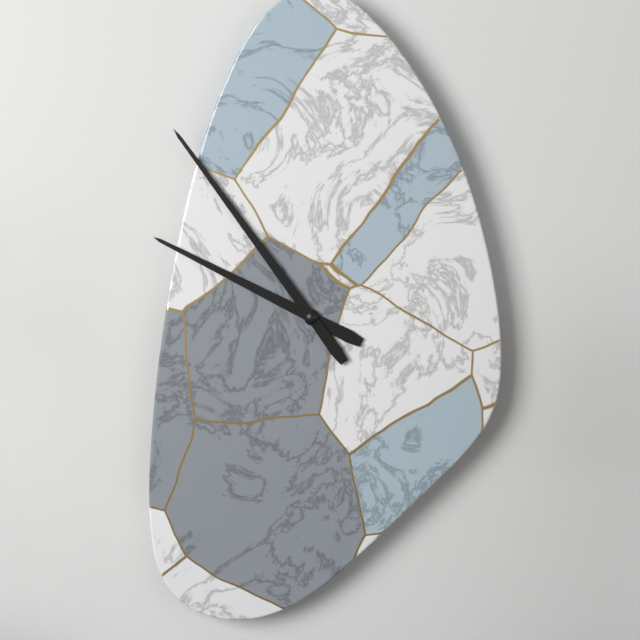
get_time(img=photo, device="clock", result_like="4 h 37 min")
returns 9 h 54 min
